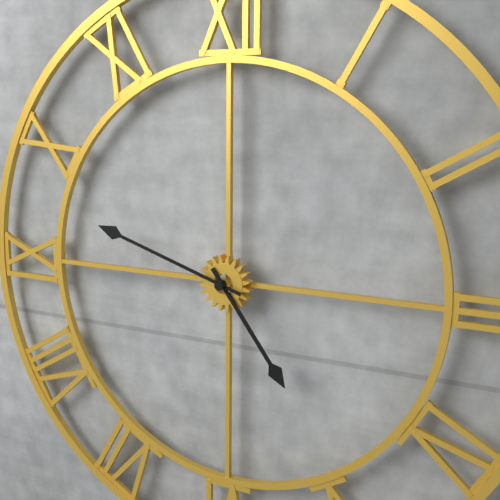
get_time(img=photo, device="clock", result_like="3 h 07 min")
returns 4 h 48 min
